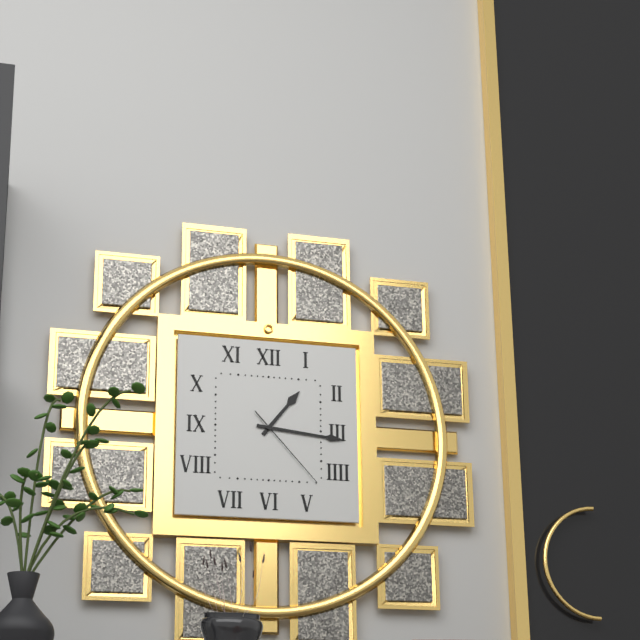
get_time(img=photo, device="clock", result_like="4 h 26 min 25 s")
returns 1 h 16 min 23 s
